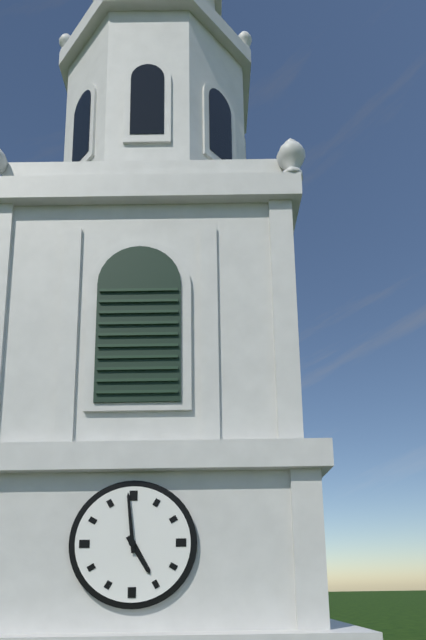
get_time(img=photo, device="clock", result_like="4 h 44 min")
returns 4 h 59 min
